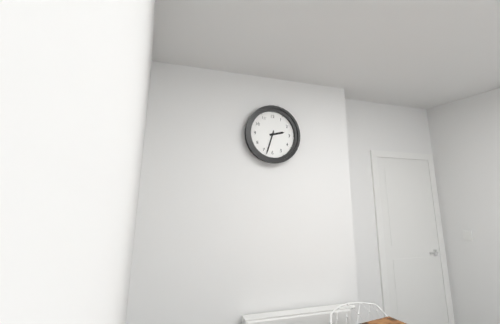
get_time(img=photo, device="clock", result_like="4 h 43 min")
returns 2 h 33 min
